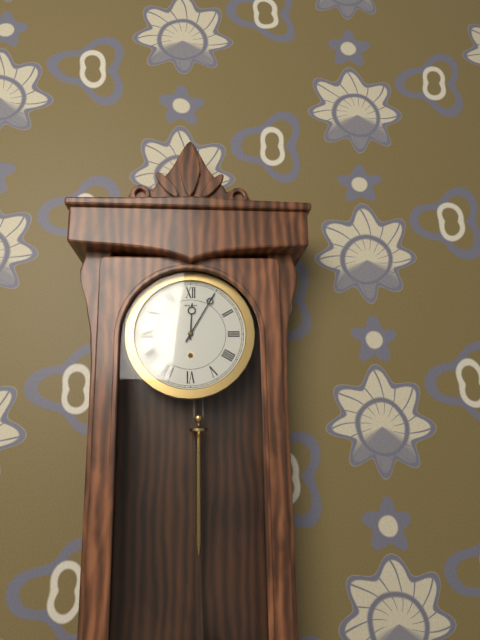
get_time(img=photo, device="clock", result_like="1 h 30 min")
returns 12 h 05 min
